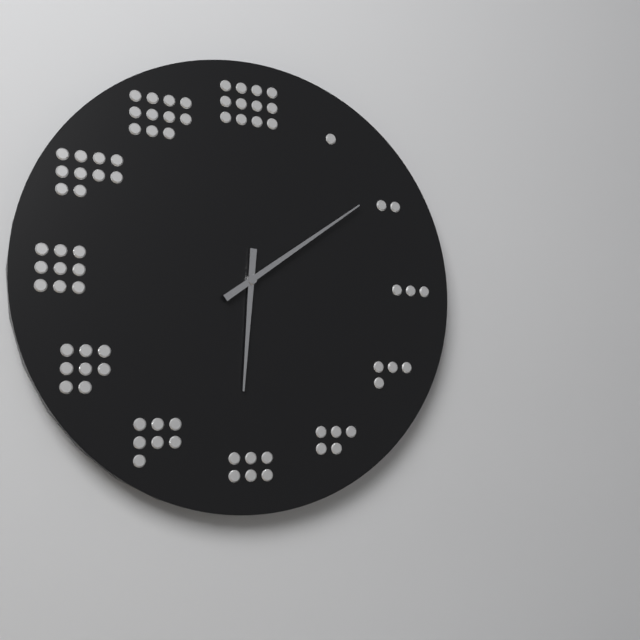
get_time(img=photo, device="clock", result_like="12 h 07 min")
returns 6 h 09 min
